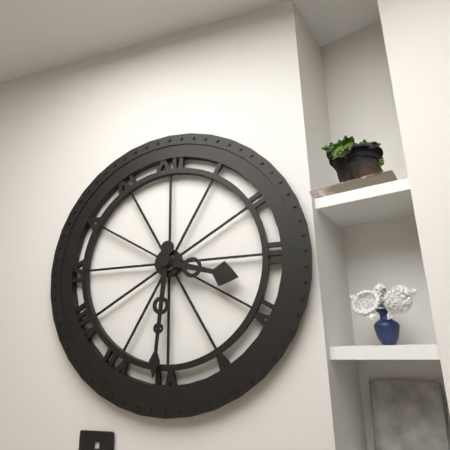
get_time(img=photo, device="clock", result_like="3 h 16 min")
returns 3 h 31 min
